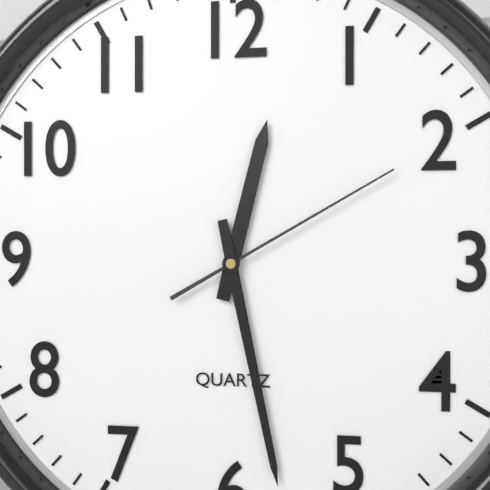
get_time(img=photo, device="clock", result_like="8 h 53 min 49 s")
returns 12 h 28 min 10 s
